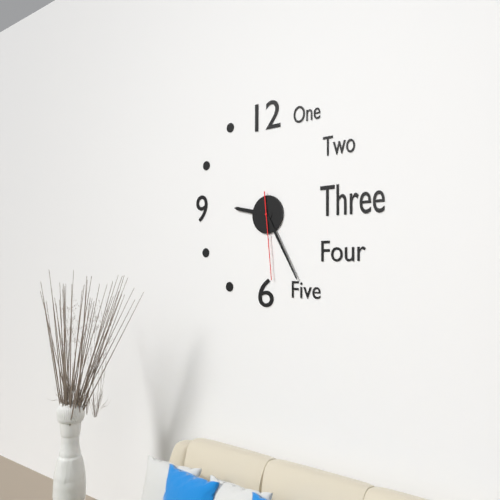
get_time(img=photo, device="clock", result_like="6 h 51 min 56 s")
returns 9 h 25 min 29 s
